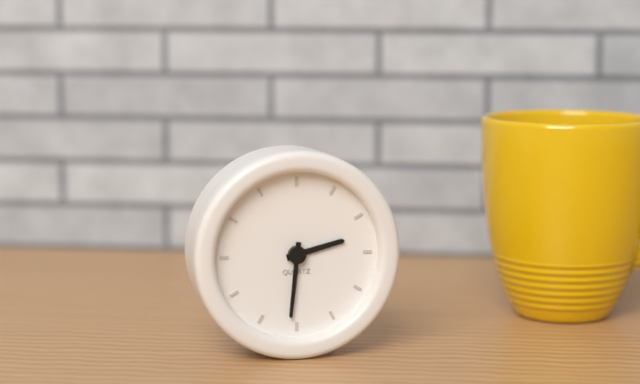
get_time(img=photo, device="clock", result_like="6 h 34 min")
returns 2 h 31 min
